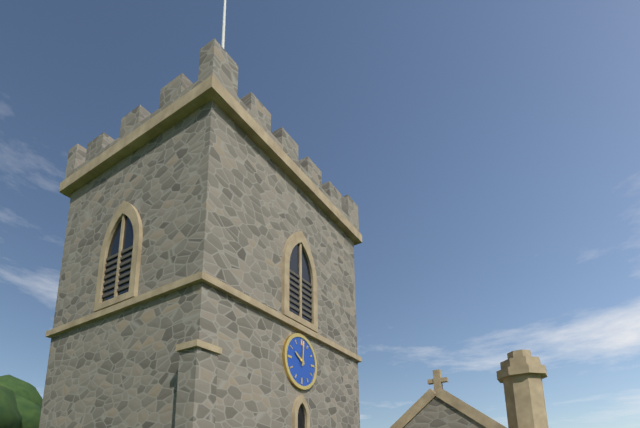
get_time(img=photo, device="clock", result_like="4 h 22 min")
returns 10 h 01 min
